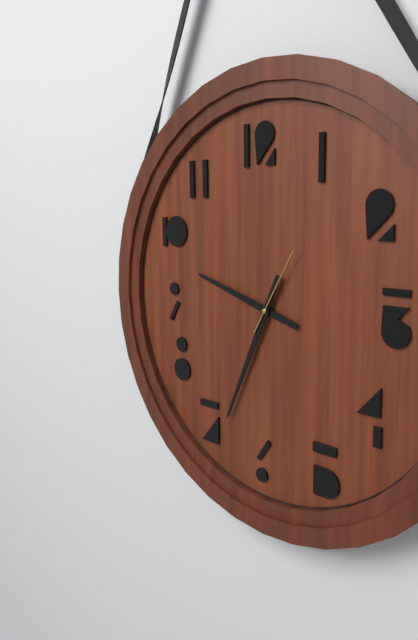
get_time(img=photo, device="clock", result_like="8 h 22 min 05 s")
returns 9 h 34 min 05 s
